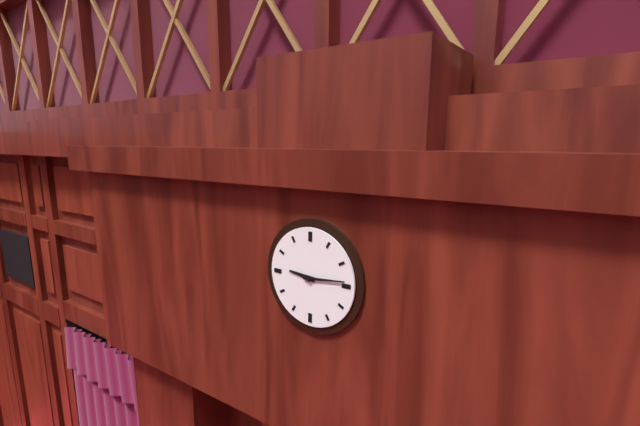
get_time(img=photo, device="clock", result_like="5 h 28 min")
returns 9 h 14 min
